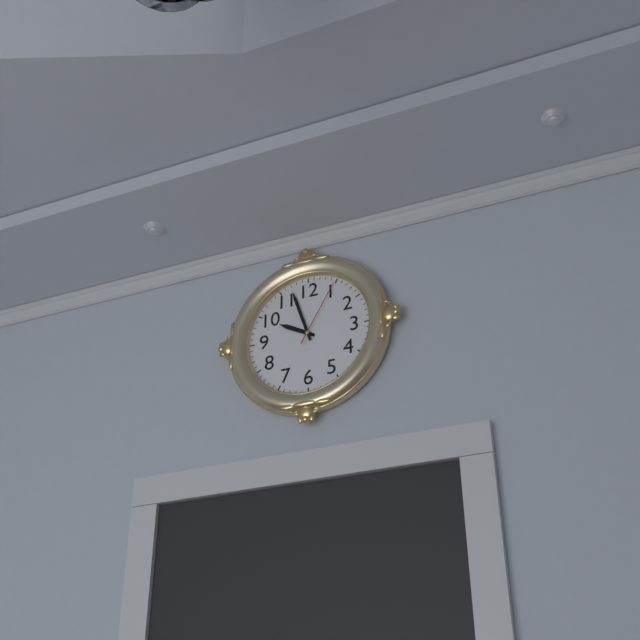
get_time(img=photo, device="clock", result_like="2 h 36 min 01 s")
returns 9 h 57 min 05 s
